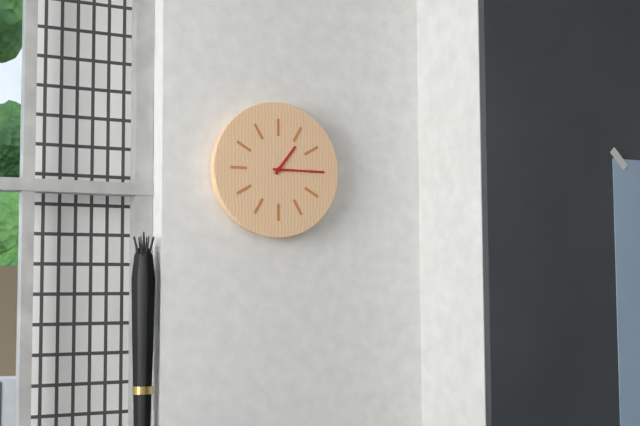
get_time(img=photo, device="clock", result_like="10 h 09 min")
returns 1 h 15 min
